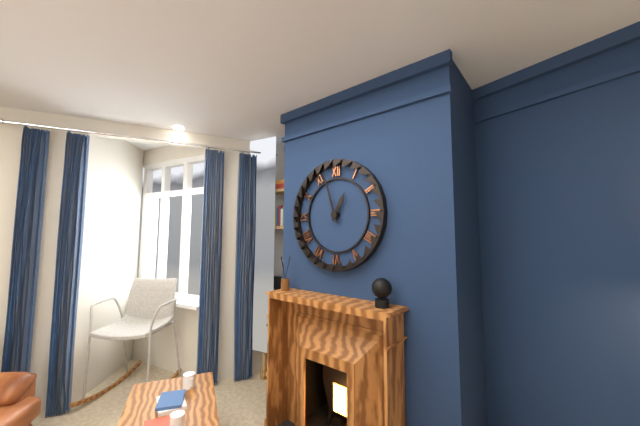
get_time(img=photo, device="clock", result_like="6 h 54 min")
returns 12 h 57 min
